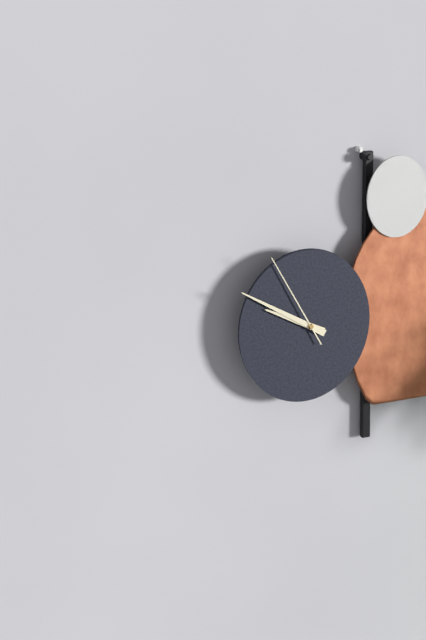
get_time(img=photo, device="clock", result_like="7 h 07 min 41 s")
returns 9 h 50 min 55 s
